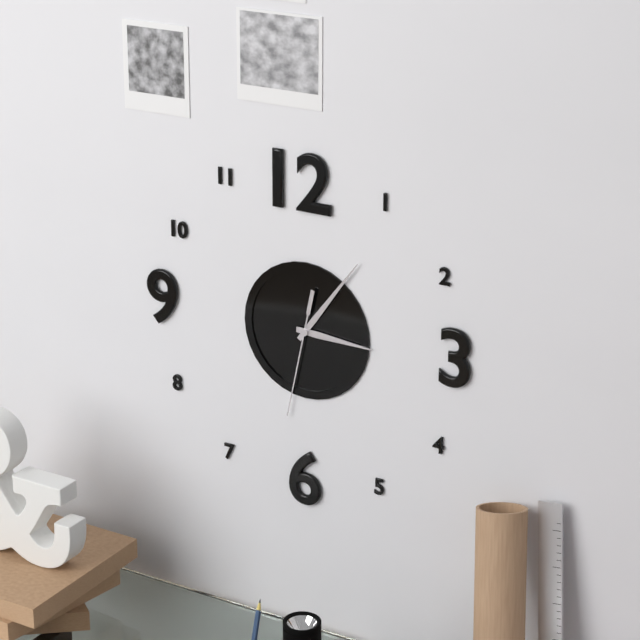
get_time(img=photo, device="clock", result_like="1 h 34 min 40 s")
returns 3 h 06 min 32 s
